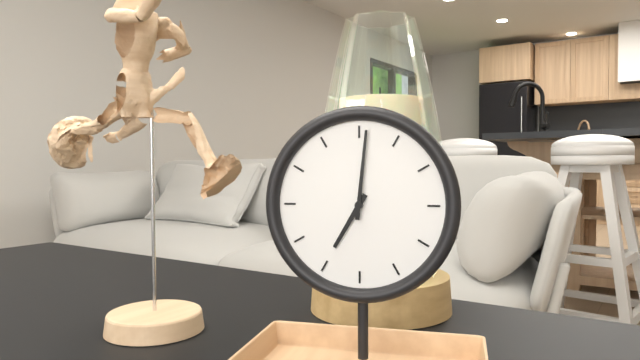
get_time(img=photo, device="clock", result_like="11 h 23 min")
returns 7 h 01 min
